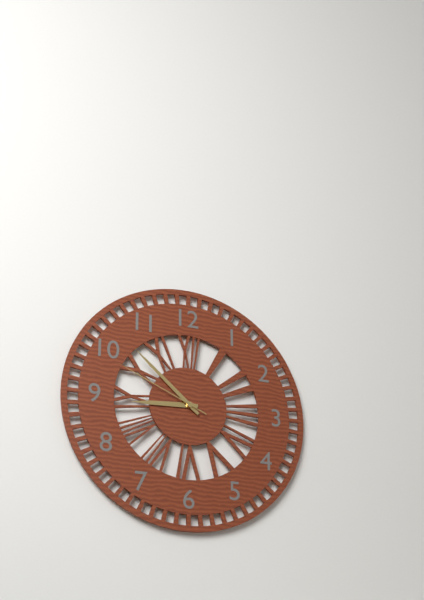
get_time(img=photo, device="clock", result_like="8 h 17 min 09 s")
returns 8 h 52 min 49 s
